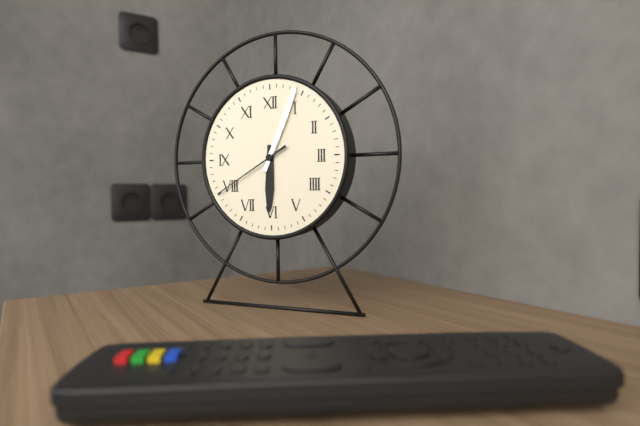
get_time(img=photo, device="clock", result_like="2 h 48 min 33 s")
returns 6 h 04 min 40 s
